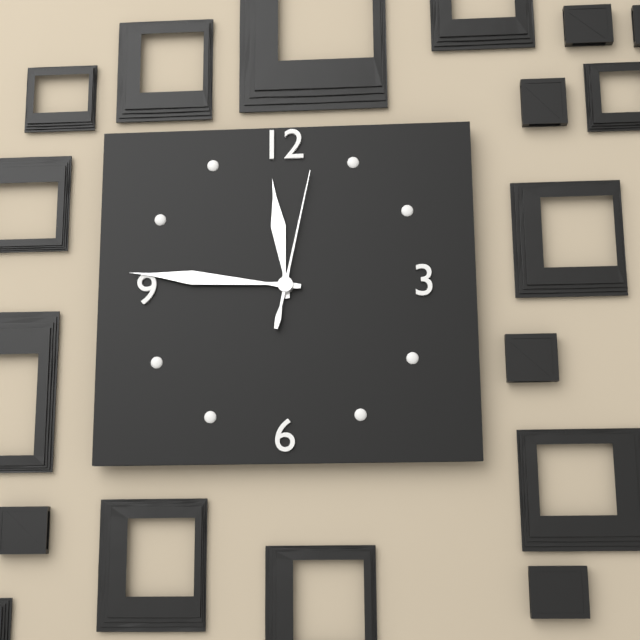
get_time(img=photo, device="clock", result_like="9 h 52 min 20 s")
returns 11 h 46 min 02 s
